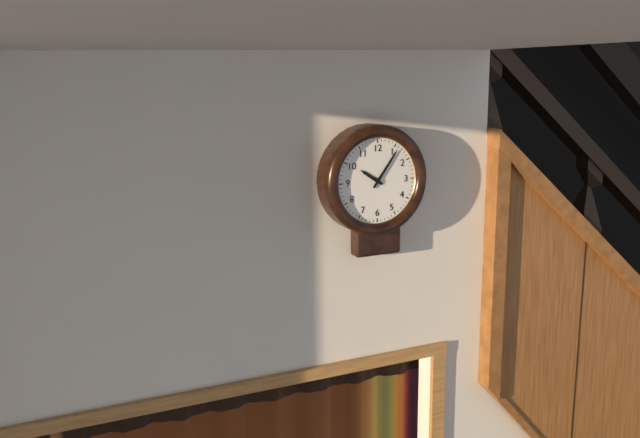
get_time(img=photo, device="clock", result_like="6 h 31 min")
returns 10 h 06 min
